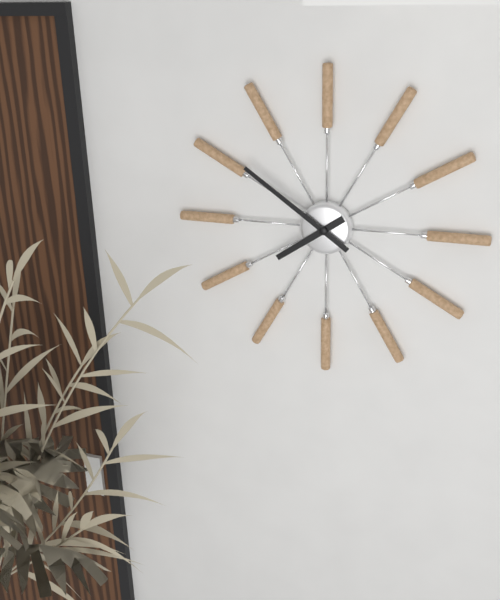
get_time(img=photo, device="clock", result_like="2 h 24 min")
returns 7 h 51 min
